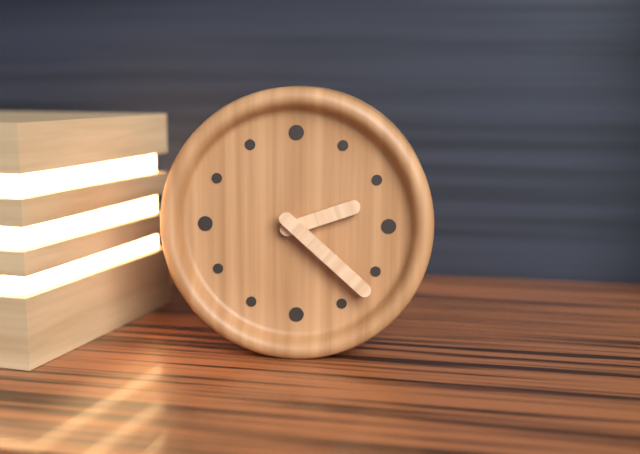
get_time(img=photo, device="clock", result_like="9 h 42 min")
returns 2 h 22 min
